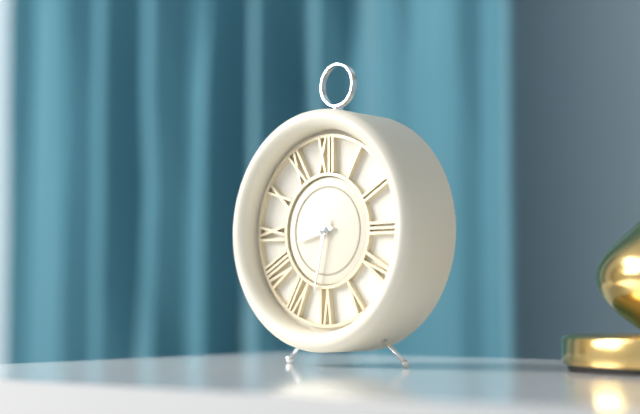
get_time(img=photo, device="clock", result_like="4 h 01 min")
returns 8 h 32 min
